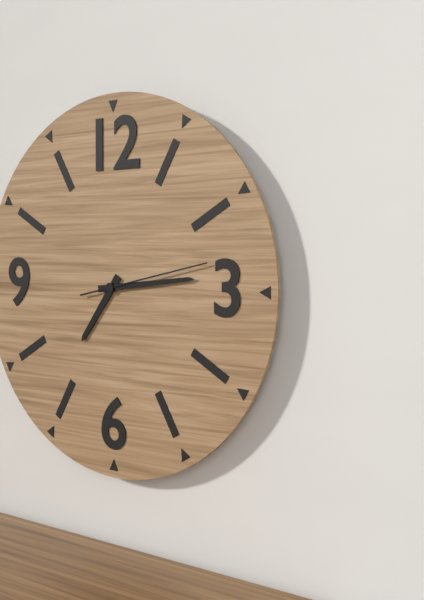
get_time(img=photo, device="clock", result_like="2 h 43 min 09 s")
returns 7 h 14 min 13 s
